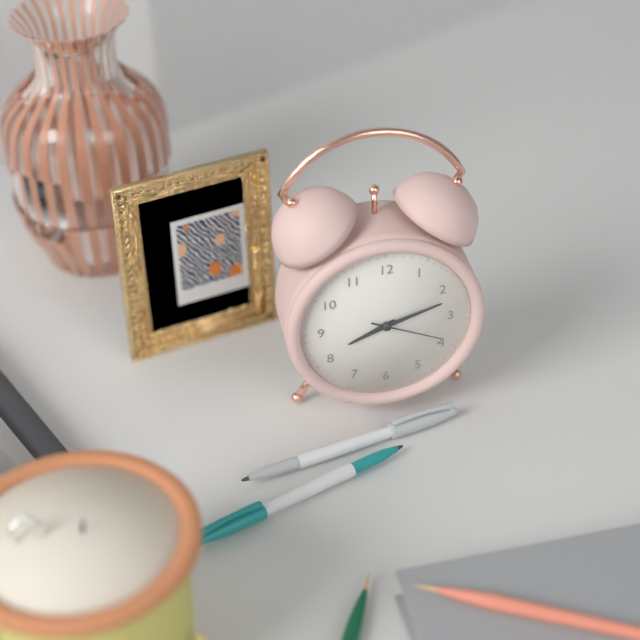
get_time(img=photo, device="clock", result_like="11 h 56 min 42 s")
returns 8 h 12 min 19 s
